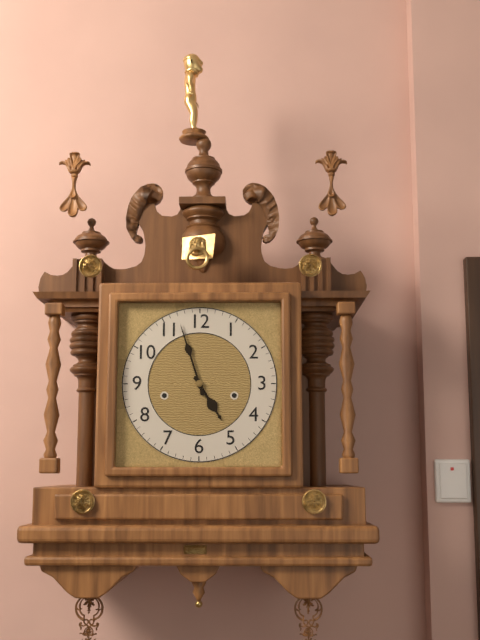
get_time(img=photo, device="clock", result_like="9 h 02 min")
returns 4 h 57 min
